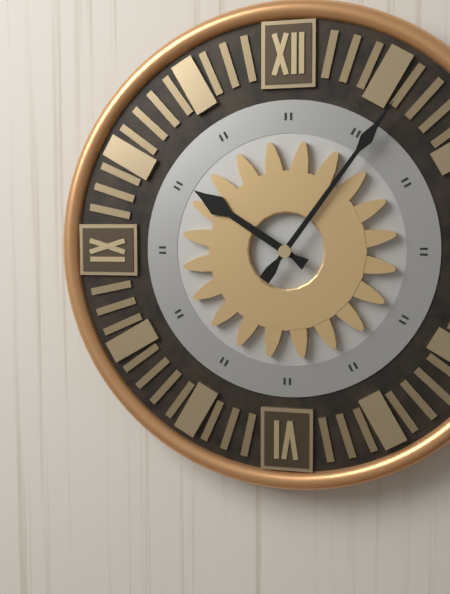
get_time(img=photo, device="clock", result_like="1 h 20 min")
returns 10 h 06 min
